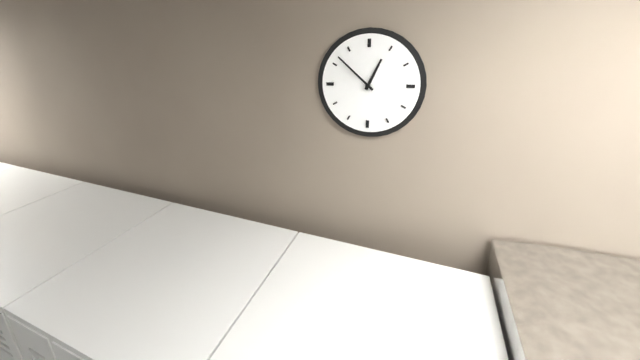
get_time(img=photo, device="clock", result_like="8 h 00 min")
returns 12 h 52 min
